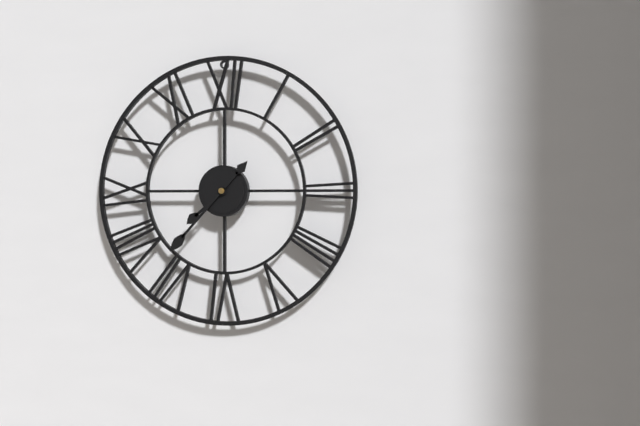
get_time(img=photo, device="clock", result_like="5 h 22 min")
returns 7 h 37 min
